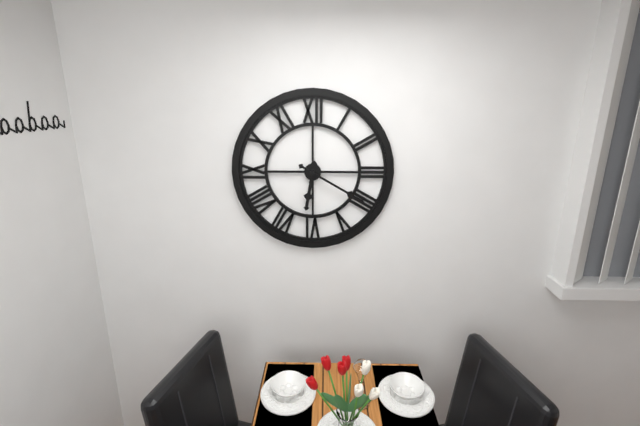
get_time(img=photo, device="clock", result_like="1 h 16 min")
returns 6 h 20 min
